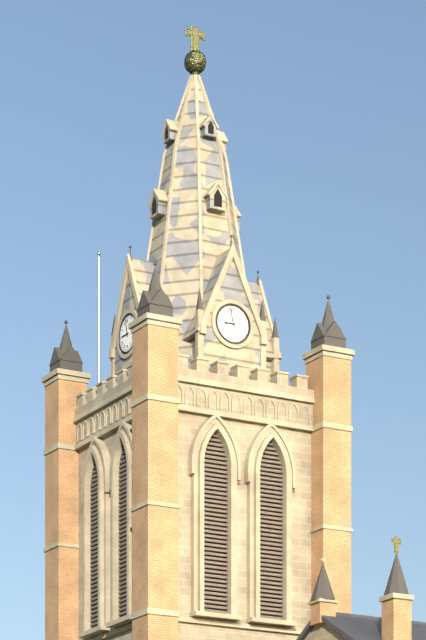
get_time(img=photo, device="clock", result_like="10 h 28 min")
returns 8 h 58 min
